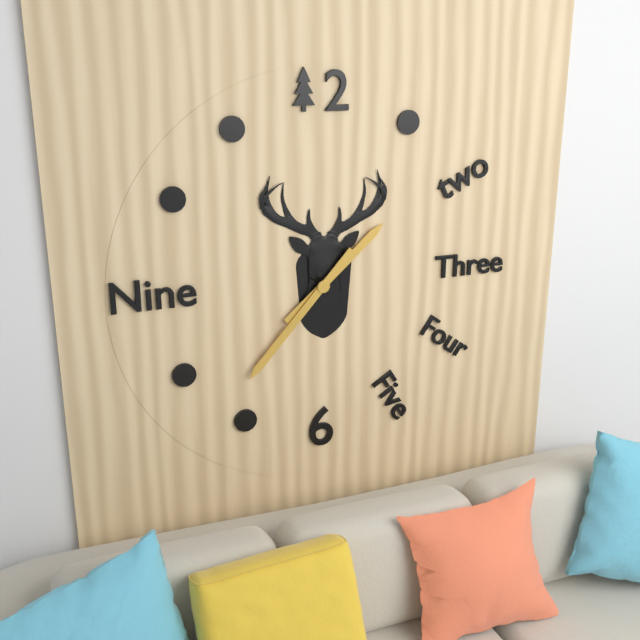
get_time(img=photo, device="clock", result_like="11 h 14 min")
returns 1 h 37 min
